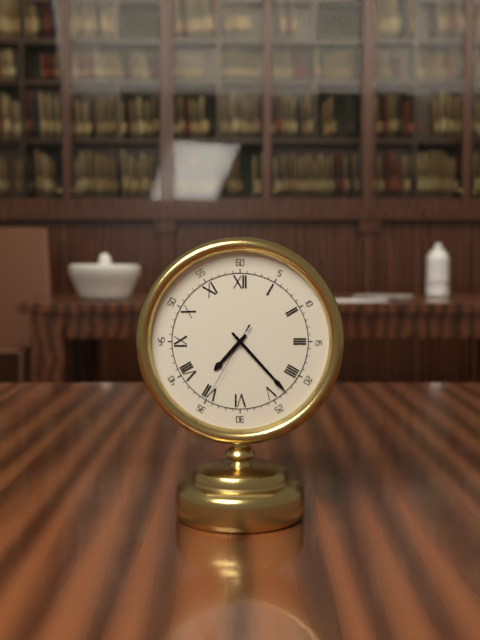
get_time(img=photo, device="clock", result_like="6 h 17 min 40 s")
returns 7 h 23 min 35 s
